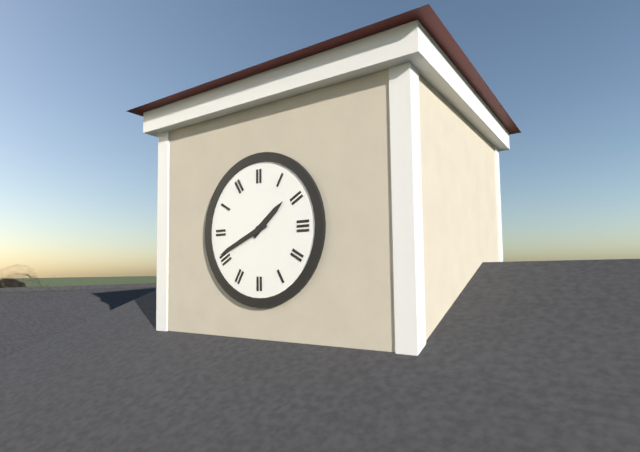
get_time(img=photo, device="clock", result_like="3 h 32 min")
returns 1 h 41 min
